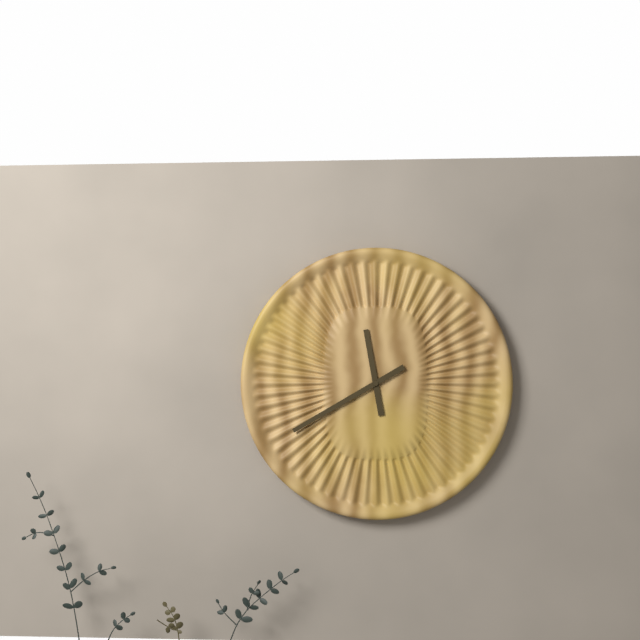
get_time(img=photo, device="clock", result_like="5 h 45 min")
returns 11 h 40 min
